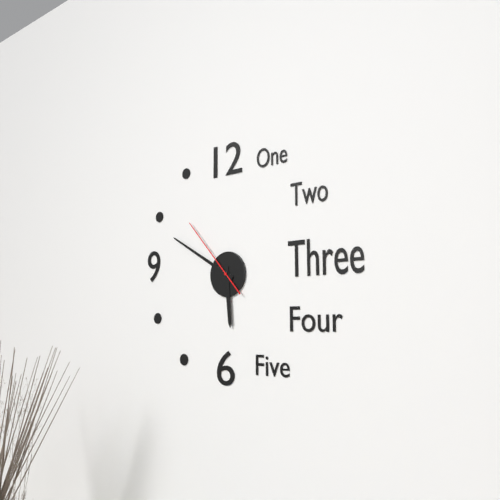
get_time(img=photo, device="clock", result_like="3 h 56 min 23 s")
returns 5 h 50 min 53 s
